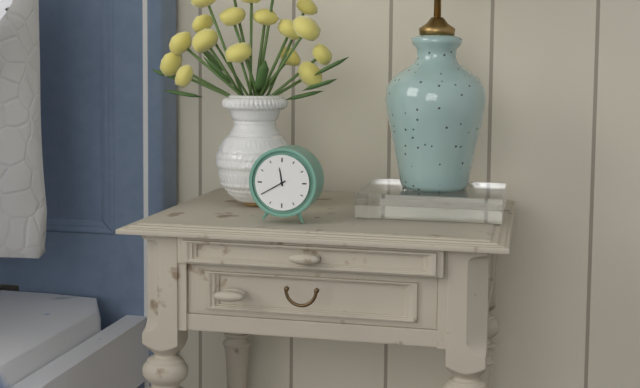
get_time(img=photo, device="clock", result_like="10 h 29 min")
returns 11 h 40 min
